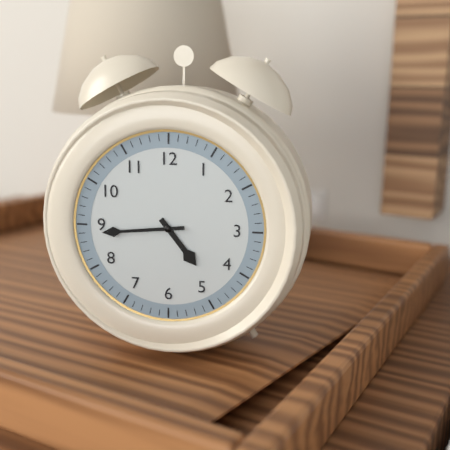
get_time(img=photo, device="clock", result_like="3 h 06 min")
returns 4 h 44 min
